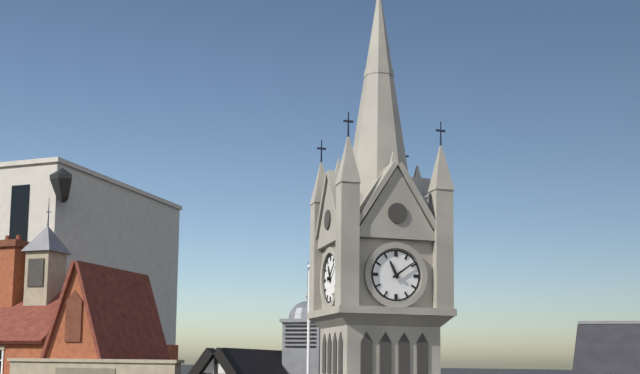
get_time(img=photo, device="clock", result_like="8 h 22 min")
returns 11 h 09 min
